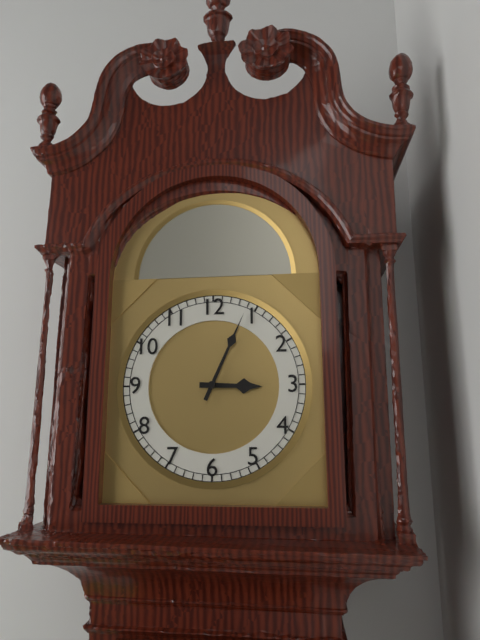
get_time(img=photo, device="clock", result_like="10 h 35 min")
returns 3 h 04 min
